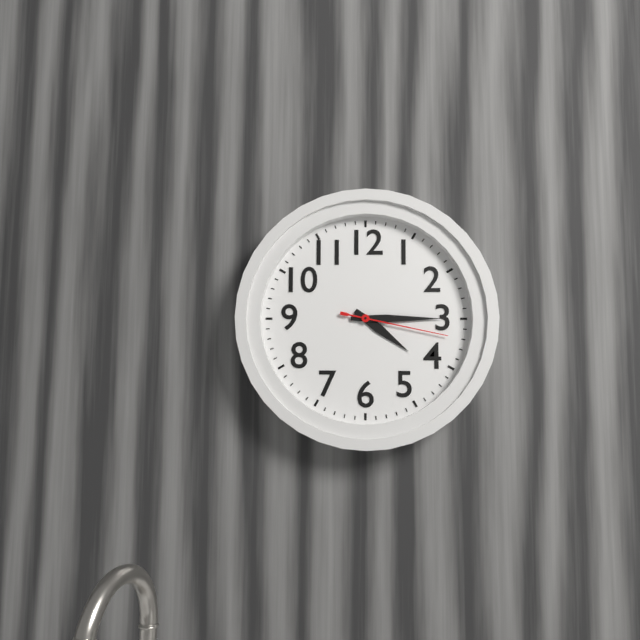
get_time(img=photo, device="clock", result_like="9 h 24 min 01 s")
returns 4 h 15 min 17 s
